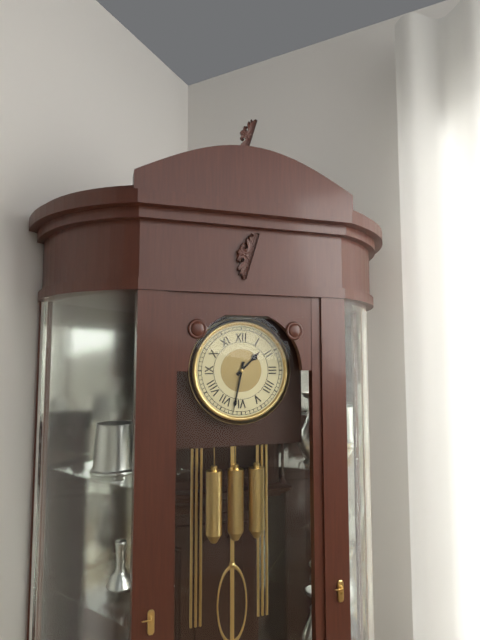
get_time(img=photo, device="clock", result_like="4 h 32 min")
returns 1 h 32 min
